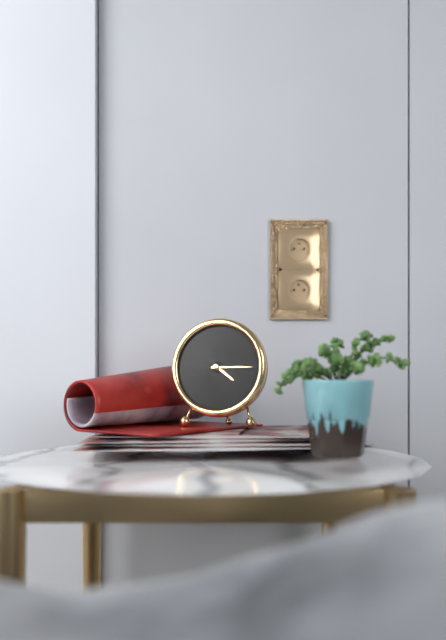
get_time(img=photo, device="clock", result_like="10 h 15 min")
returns 4 h 15 min
